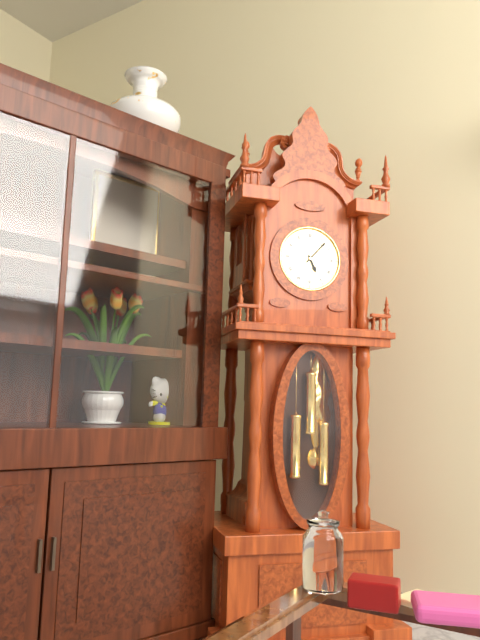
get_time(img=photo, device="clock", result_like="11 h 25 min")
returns 5 h 07 min
